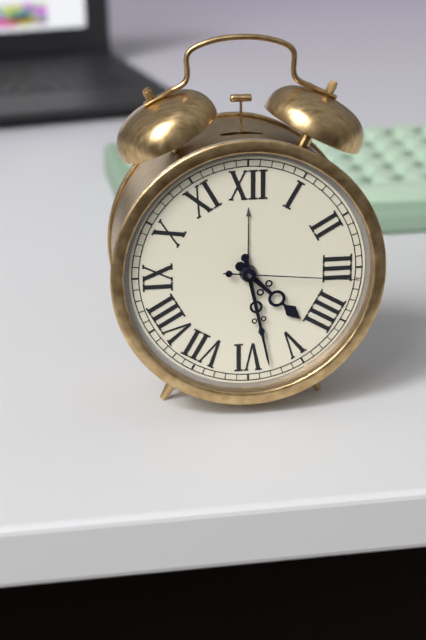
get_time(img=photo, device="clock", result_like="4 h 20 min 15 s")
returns 4 h 28 min 16 s
